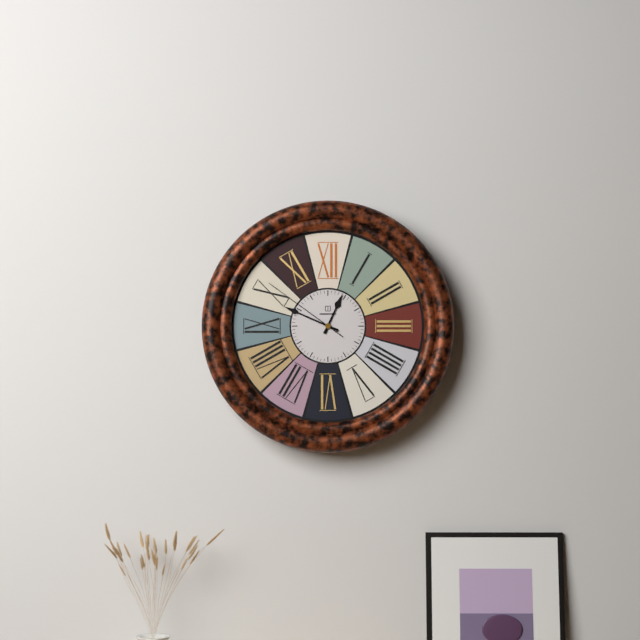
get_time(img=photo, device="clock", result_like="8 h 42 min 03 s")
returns 12 h 49 min 51 s
